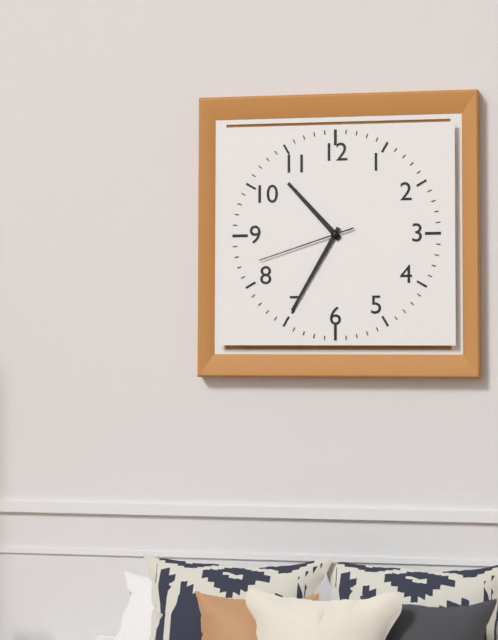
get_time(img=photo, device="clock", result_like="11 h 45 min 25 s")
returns 10 h 35 min 42 s
